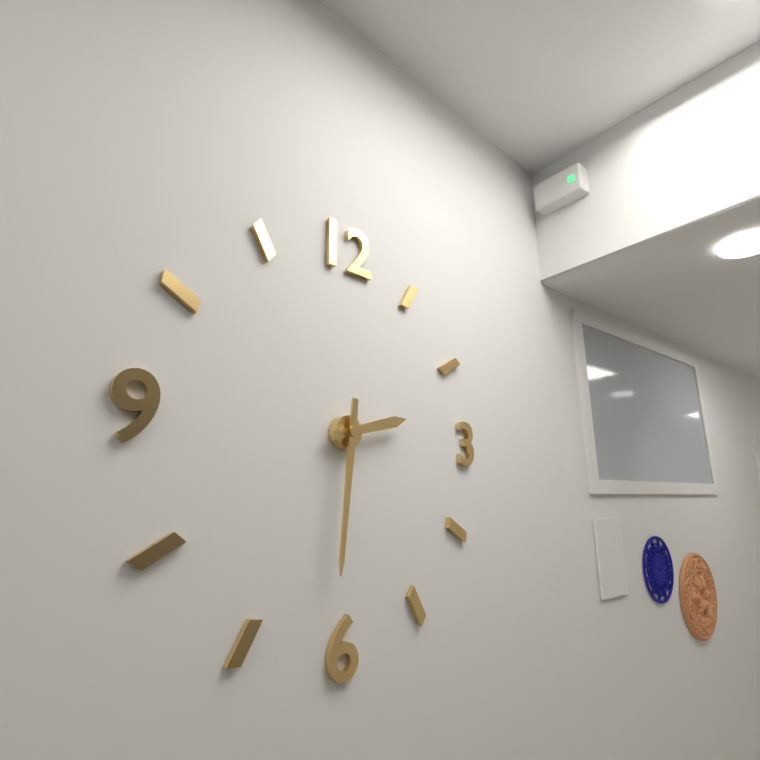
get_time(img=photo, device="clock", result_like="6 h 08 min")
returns 2 h 31 min
